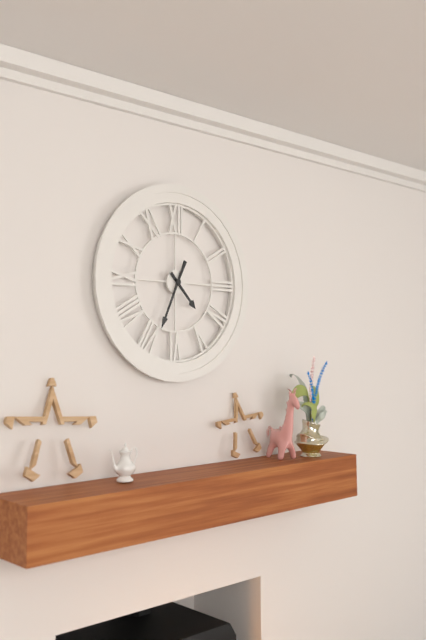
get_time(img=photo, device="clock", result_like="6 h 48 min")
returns 4 h 34 min
